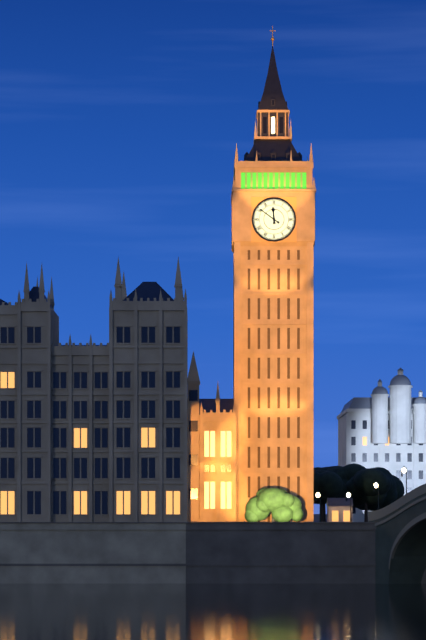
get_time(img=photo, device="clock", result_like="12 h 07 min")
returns 11 h 51 min
